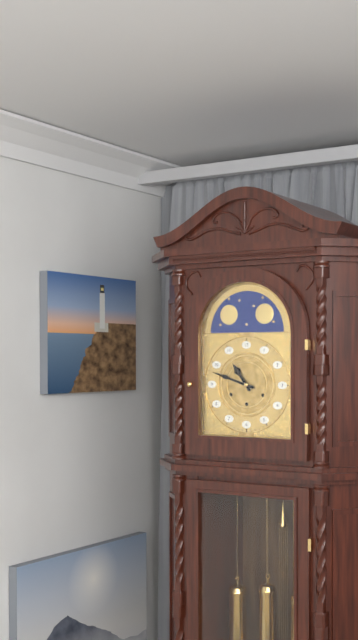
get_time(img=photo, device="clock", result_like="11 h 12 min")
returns 10 h 48 min
